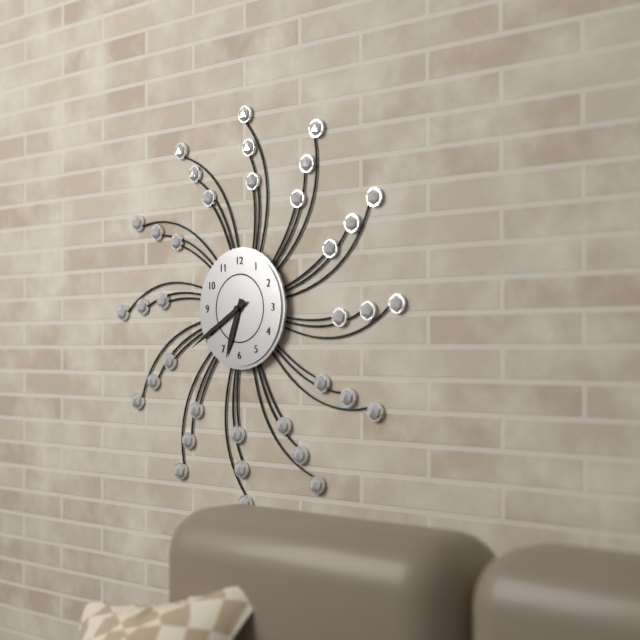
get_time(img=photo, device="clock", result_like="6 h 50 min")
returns 6 h 40 min
